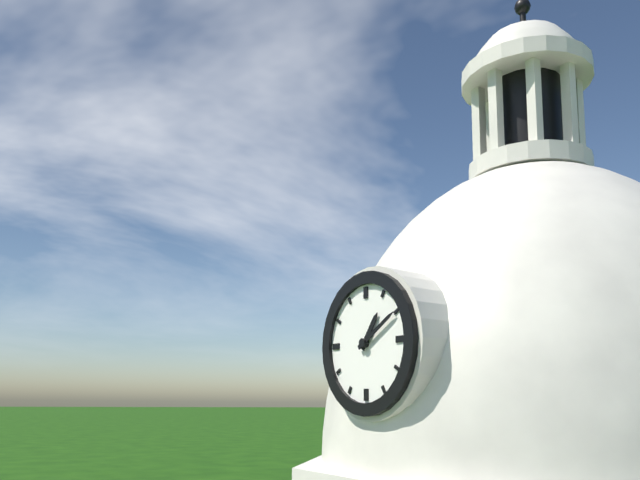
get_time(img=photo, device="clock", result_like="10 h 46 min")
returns 1 h 10 min
